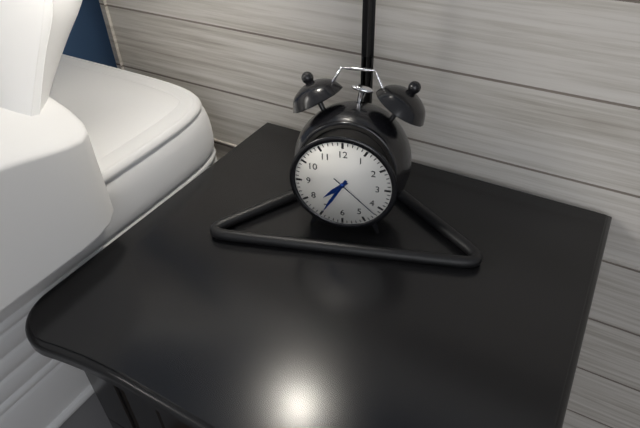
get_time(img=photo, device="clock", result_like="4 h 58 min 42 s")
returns 7 h 35 min 22 s
